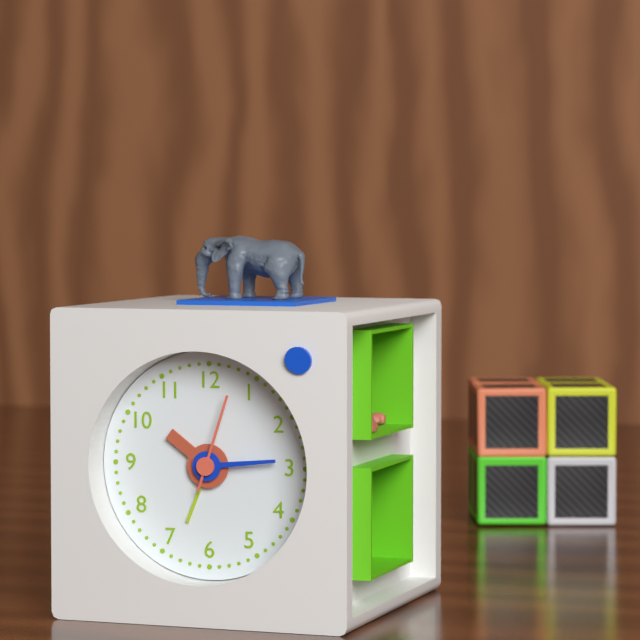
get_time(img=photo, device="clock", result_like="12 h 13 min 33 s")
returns 10 h 14 min 03 s
